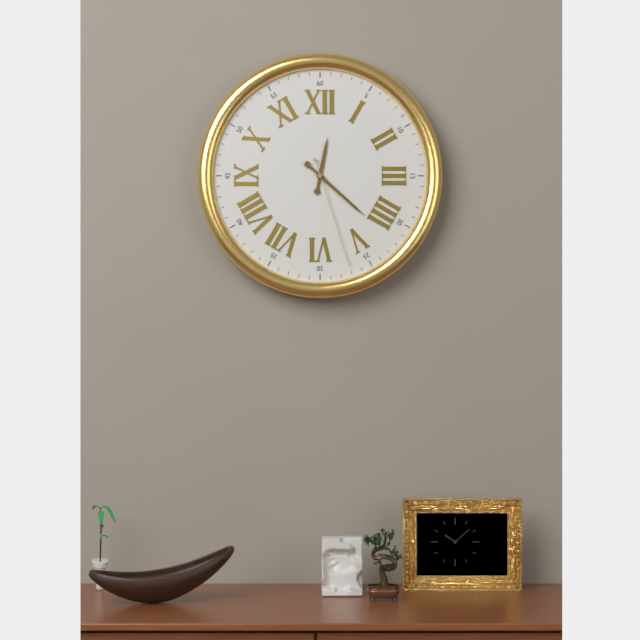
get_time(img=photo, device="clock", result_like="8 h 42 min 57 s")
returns 12 h 22 min 27 s
